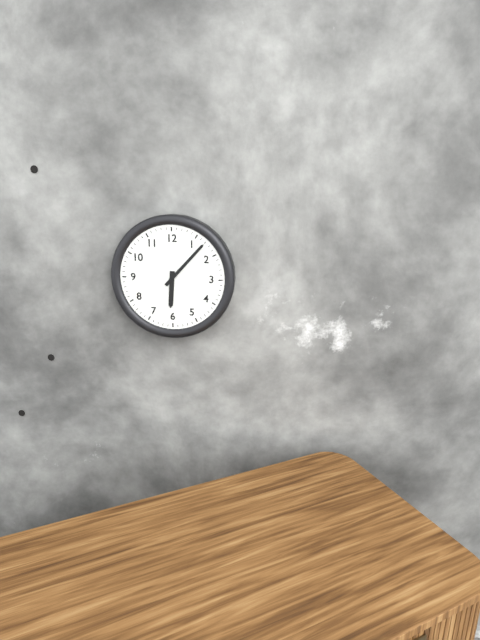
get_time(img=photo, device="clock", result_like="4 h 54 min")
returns 6 h 07 min
